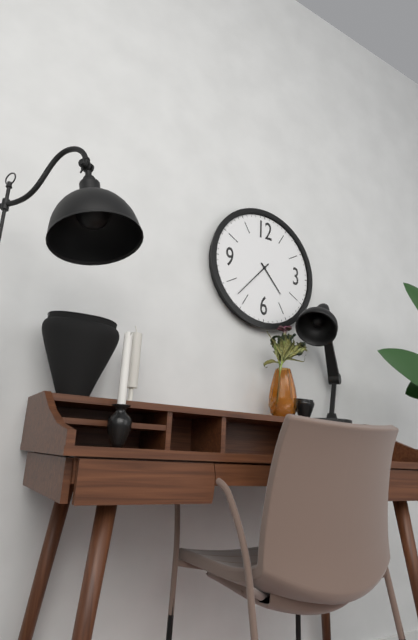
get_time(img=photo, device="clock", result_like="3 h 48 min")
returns 4 h 37 min
